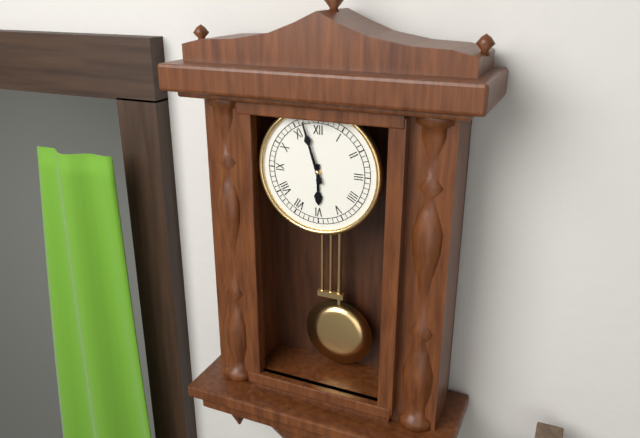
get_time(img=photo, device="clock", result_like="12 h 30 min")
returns 5 h 57 min
